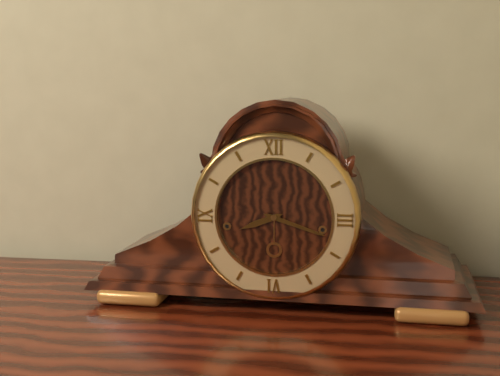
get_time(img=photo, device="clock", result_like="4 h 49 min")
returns 8 h 18 min
